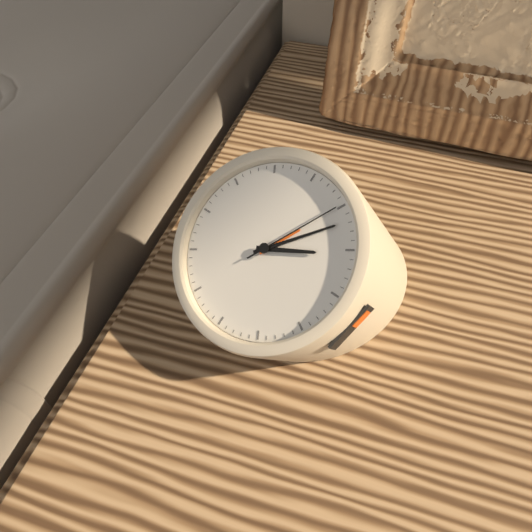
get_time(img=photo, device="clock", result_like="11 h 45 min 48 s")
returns 2 h 07 min 05 s
